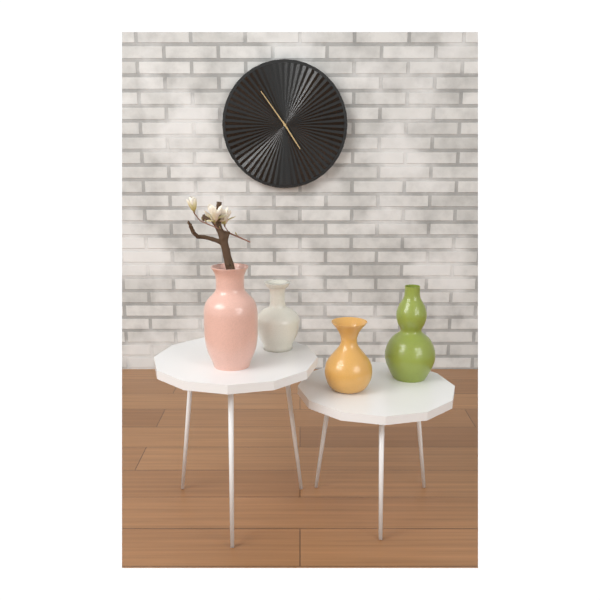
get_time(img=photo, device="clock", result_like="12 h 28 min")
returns 4 h 54 min
